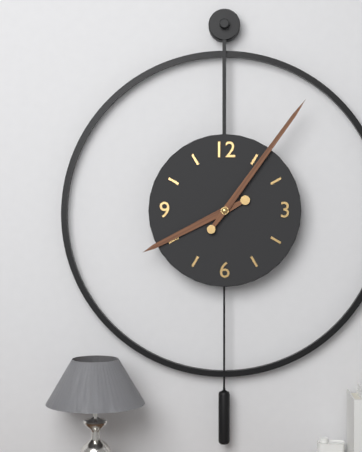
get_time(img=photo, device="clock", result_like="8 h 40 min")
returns 8 h 06 min
